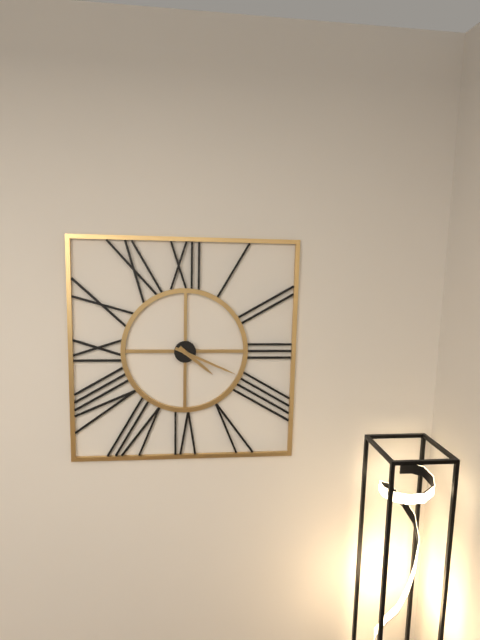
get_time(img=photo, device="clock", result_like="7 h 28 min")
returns 4 h 19 min
